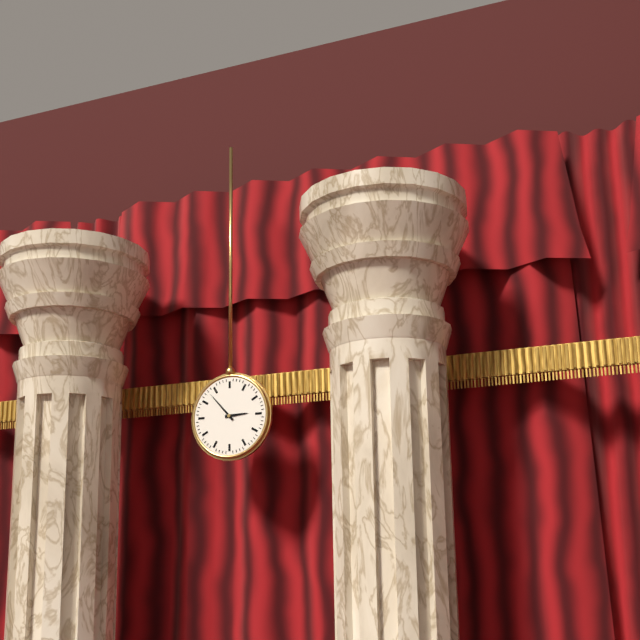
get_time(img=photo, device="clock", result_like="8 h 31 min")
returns 2 h 53 min
